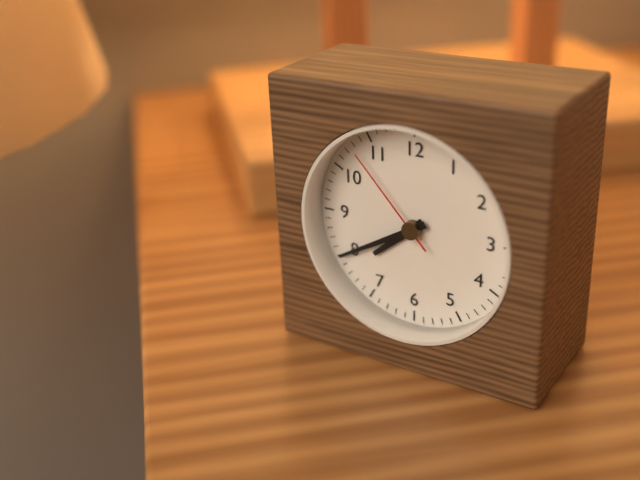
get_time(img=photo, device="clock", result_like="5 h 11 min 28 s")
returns 7 h 40 min 53 s
